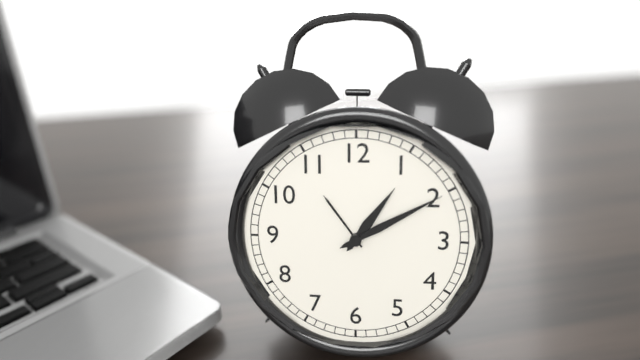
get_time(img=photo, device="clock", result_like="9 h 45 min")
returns 1 h 10 min
